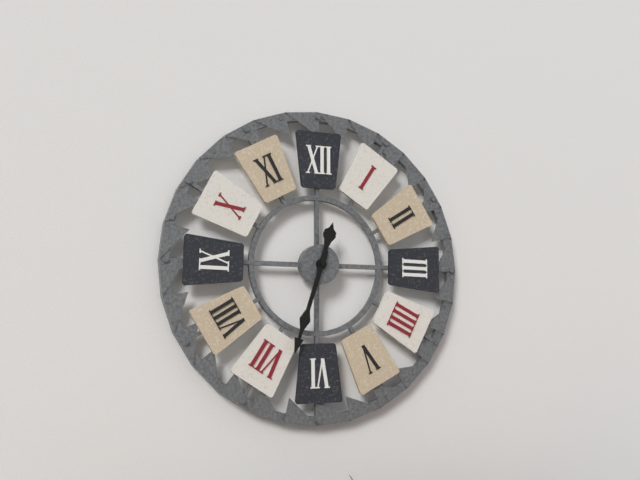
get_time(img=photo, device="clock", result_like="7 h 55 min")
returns 12 h 33 min
